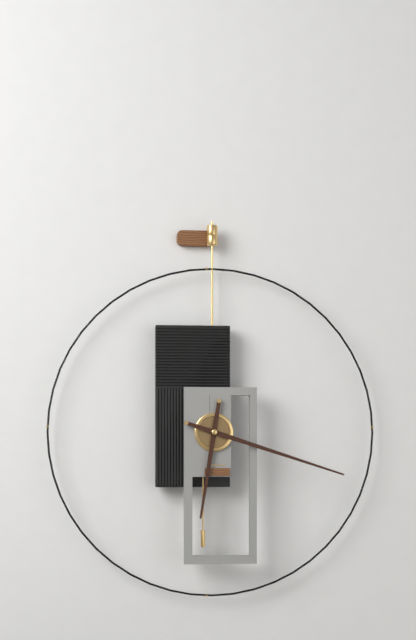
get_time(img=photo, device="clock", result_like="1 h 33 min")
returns 6 h 18 min
